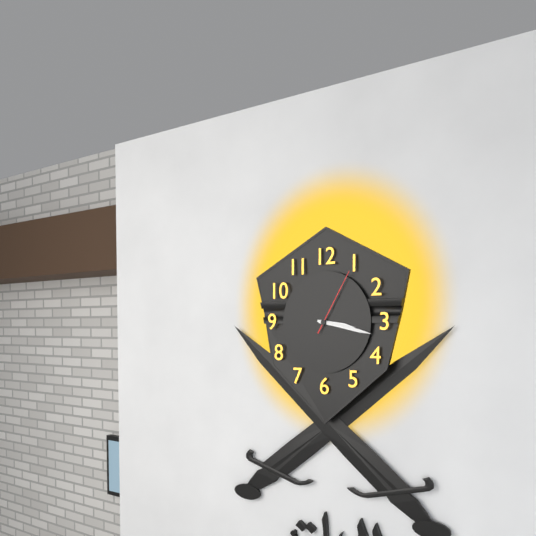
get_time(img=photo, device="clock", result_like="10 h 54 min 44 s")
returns 3 h 17 min 05 s
